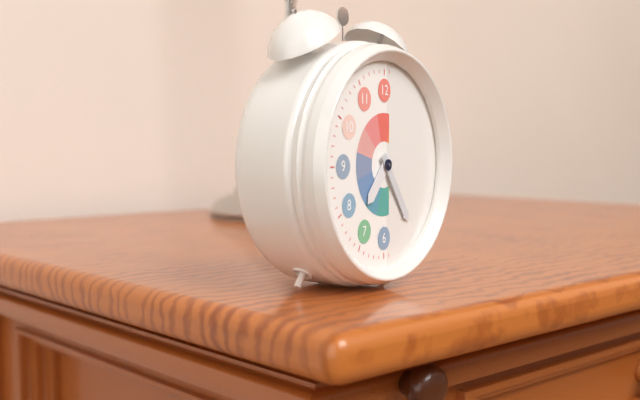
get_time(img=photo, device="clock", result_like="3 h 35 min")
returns 7 h 24 min
